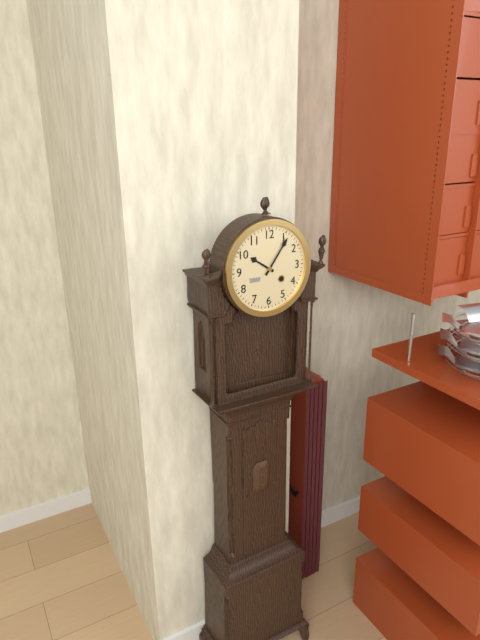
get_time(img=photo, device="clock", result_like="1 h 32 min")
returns 10 h 06 min
